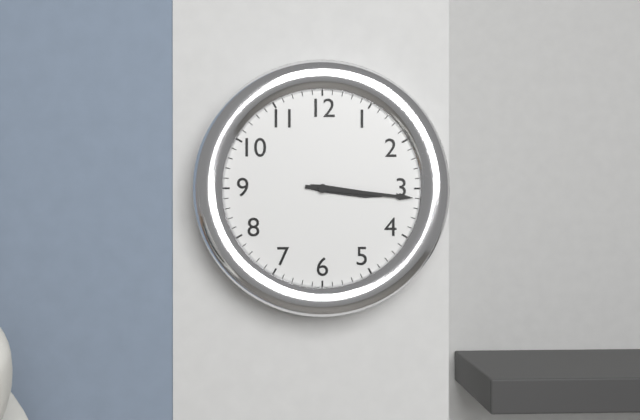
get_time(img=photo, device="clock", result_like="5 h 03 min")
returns 3 h 16 min
